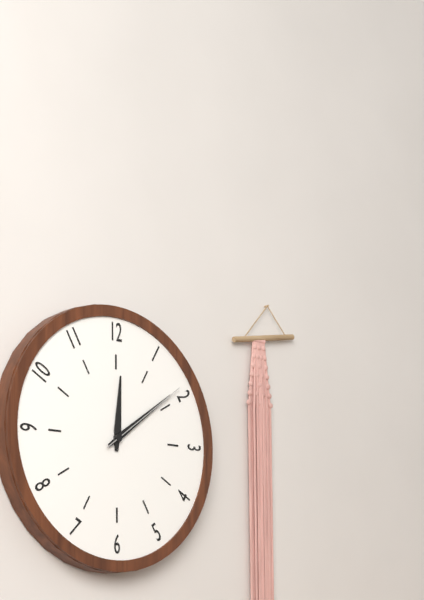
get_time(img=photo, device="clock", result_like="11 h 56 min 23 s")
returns 12 h 09 min 09 s
